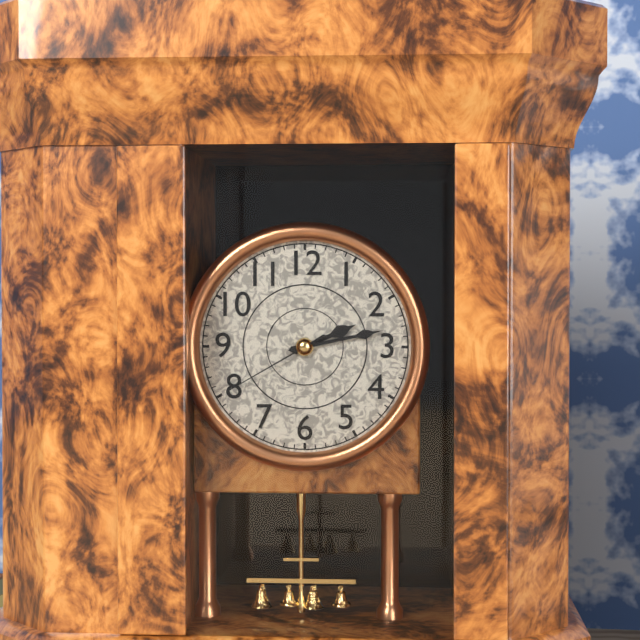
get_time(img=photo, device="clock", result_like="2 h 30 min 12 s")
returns 2 h 13 min 40 s
